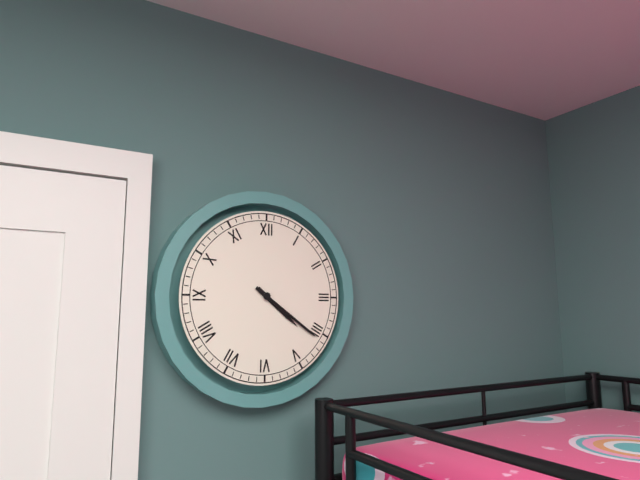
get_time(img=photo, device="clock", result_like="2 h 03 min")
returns 4 h 21 min
